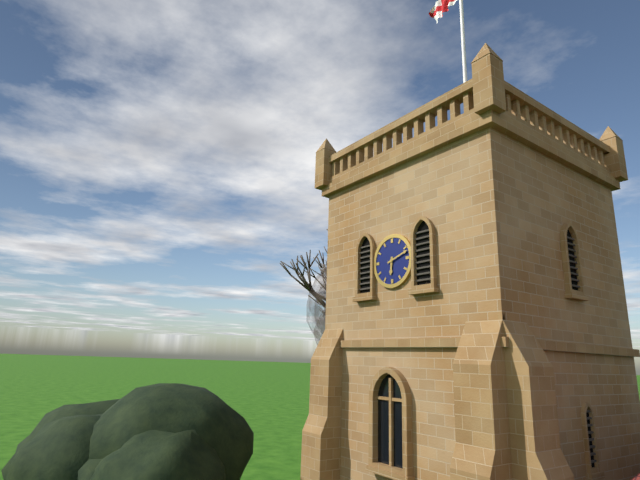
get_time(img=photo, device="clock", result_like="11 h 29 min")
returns 6 h 12 min
